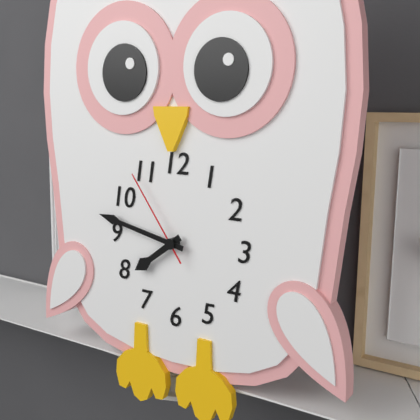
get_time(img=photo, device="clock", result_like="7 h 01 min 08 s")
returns 7 h 47 min 54 s
